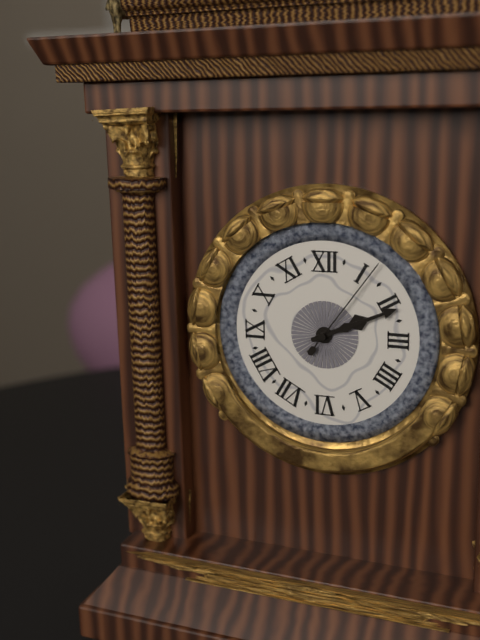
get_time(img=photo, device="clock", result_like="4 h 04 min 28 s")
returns 2 h 11 min 06 s
